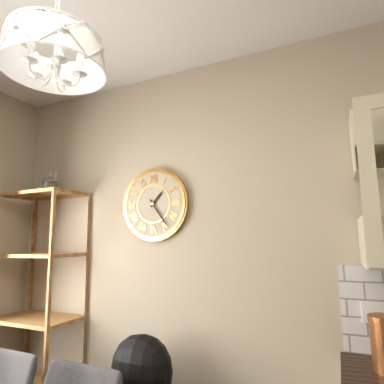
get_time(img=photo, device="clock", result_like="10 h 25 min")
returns 1 h 24 min
